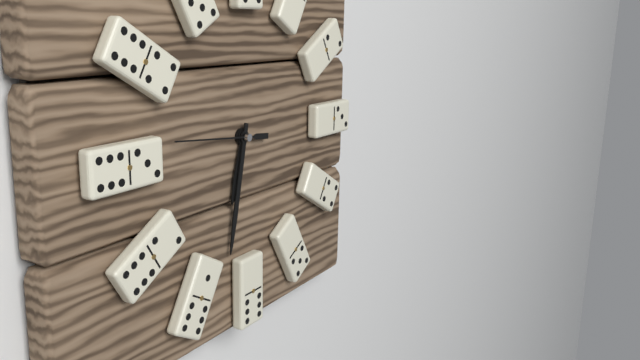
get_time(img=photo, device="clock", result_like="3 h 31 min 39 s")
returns 6 h 32 min 46 s
